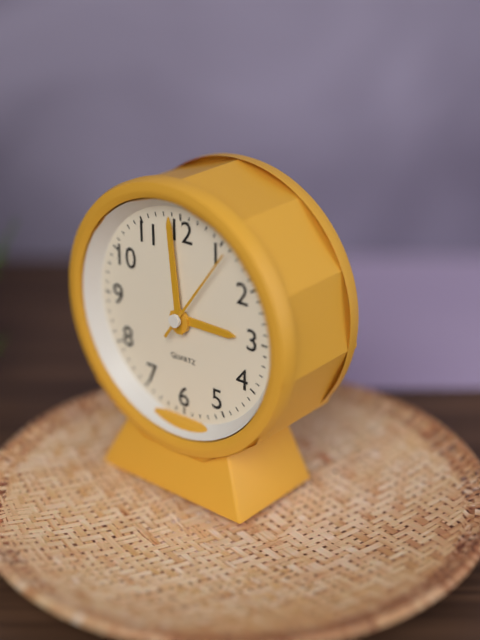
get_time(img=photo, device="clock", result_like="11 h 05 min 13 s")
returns 2 h 59 min 06 s
